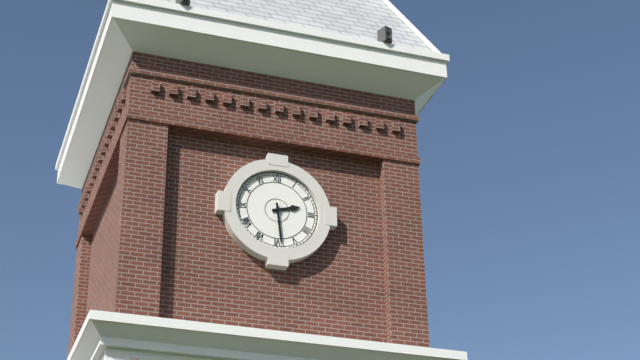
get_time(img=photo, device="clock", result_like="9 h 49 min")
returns 2 h 29 min
